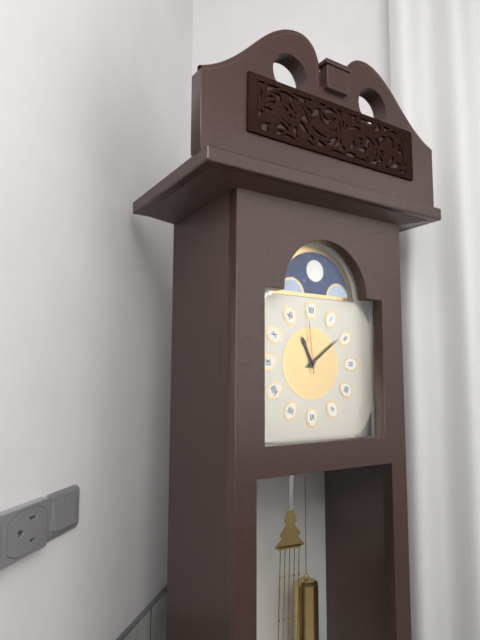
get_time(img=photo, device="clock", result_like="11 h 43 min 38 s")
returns 11 h 09 min 59 s
